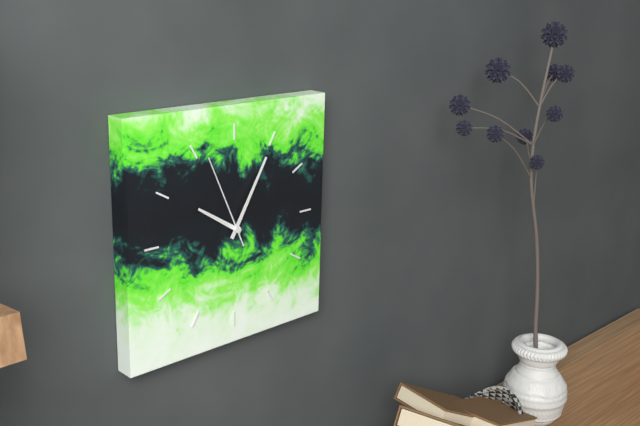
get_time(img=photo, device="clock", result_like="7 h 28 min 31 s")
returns 10 h 05 min 56 s
